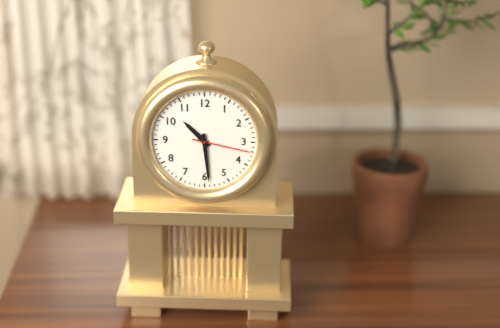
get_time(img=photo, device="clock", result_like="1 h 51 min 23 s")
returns 10 h 29 min 17 s
